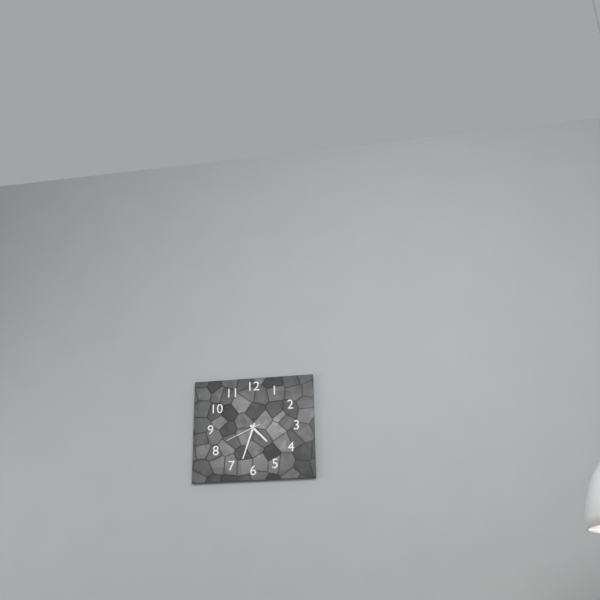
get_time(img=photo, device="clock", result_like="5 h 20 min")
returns 4 h 33 min
